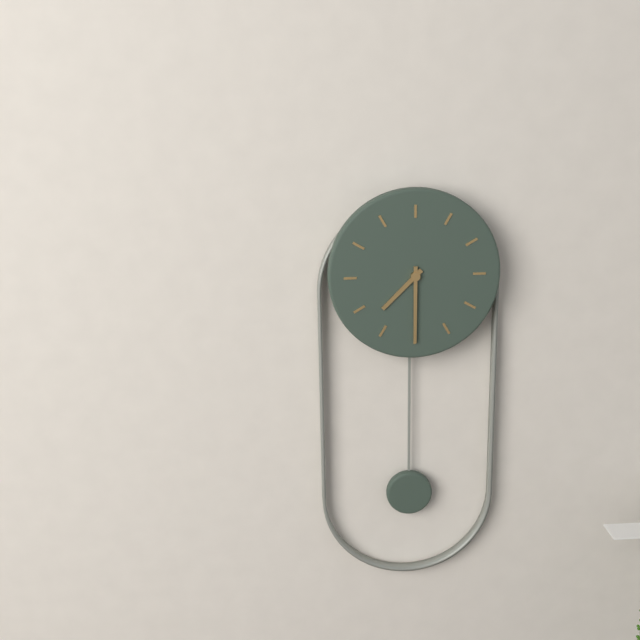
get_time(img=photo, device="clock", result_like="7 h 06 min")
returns 7 h 30 min
